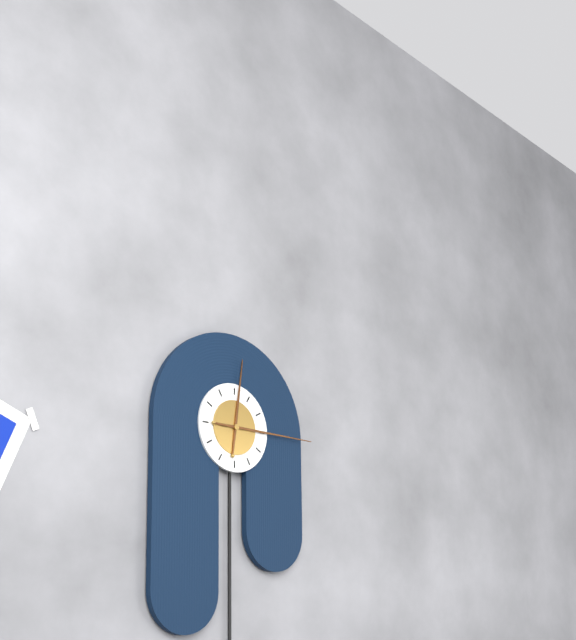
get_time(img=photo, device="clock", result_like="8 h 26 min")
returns 12 h 15 min
